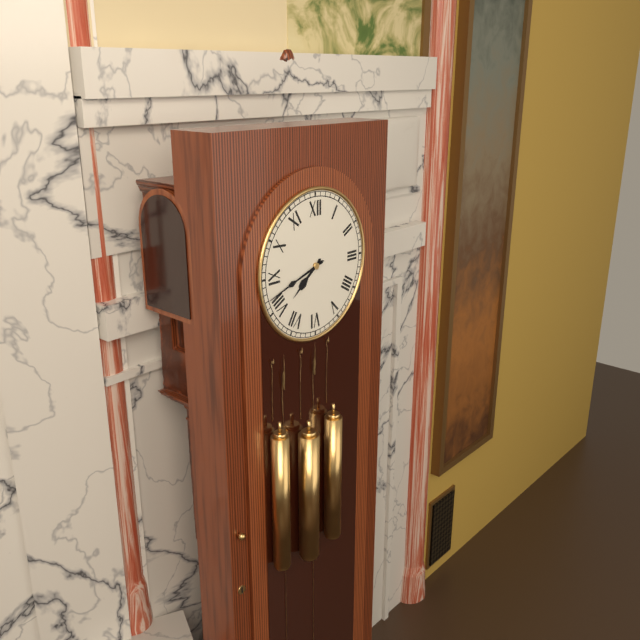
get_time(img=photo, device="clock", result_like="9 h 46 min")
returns 7 h 42 min
